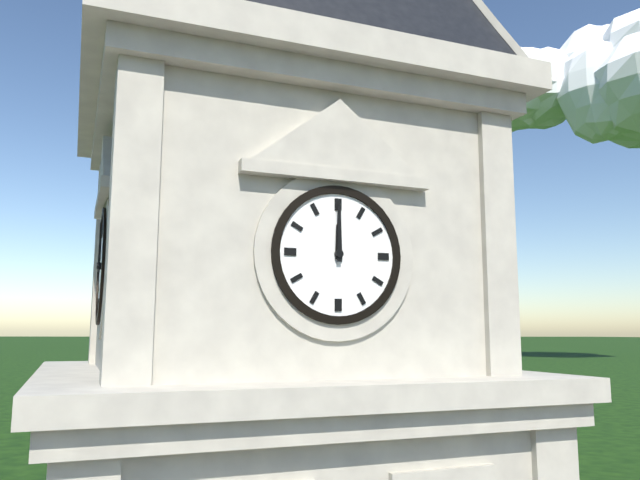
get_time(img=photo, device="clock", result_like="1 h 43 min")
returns 12 h 00 min
